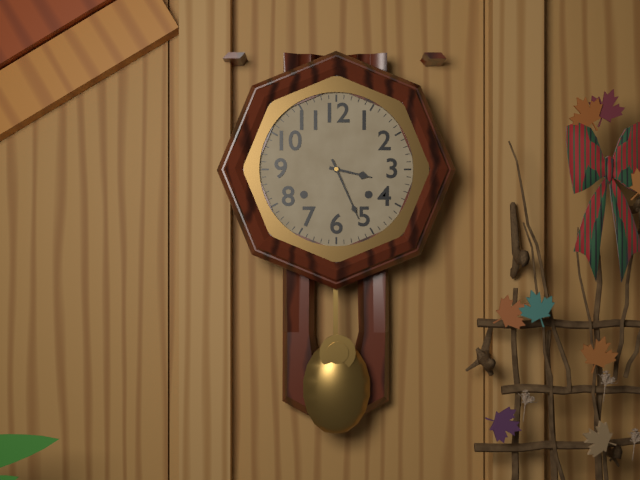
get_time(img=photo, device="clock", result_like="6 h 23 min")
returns 3 h 26 min
